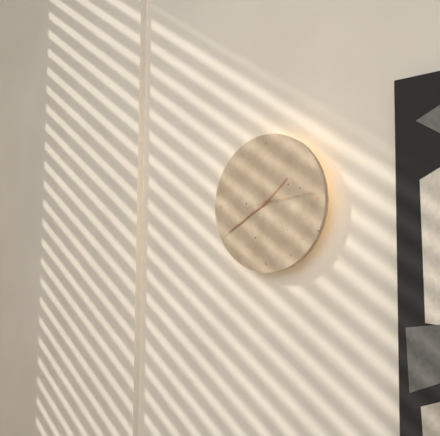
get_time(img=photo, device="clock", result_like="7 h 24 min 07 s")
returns 1 h 40 min 14 s
